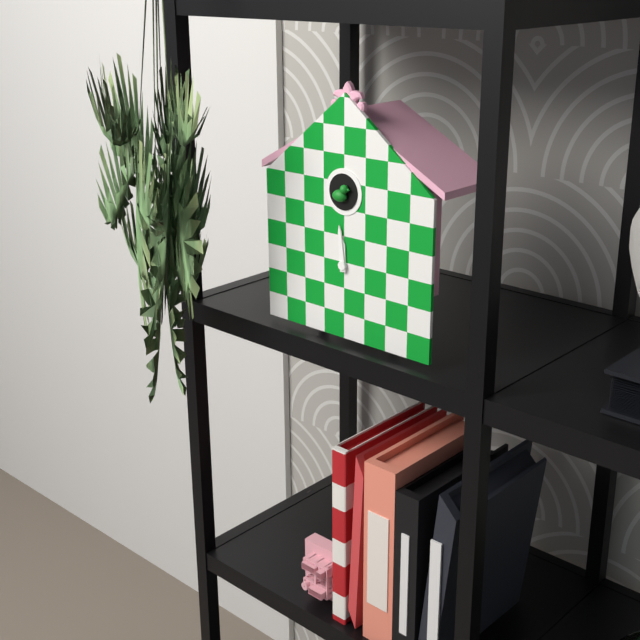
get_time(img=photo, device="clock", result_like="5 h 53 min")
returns 11 h 59 min
